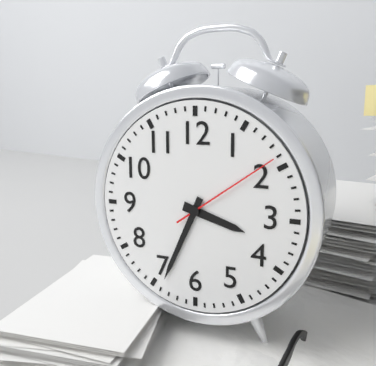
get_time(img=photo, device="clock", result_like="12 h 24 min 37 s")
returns 3 h 34 min 09 s
